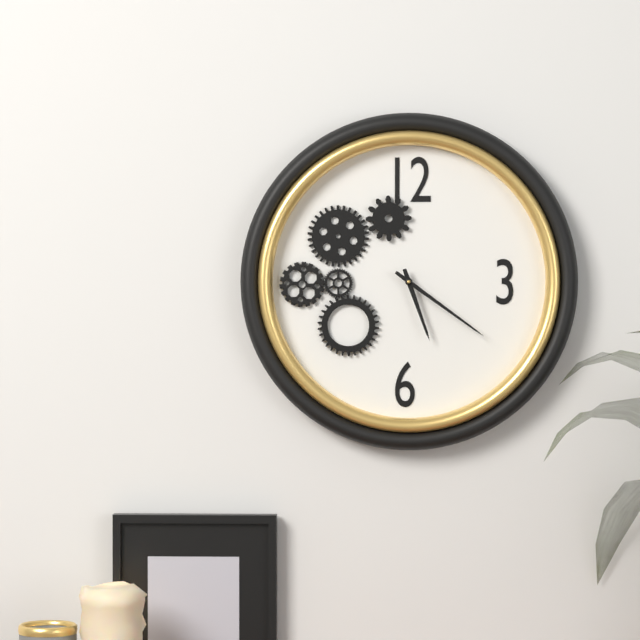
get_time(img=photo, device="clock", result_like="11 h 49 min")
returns 5 h 21 min
